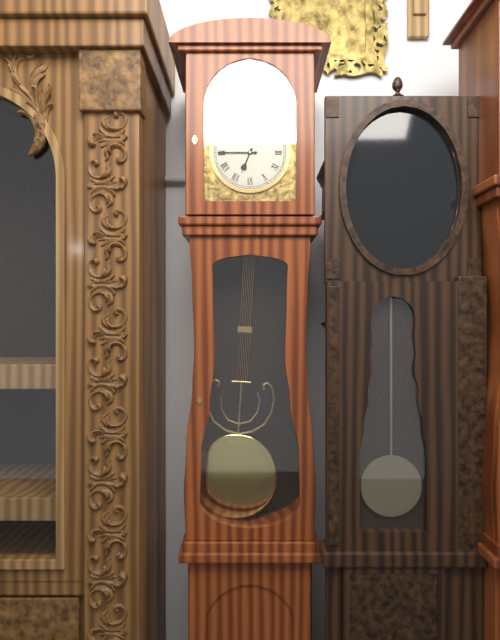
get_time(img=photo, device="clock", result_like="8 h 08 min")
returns 6 h 45 min
